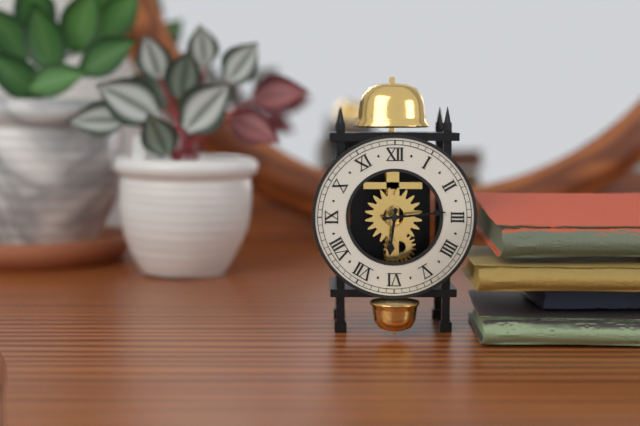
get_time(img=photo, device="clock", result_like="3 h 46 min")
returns 6 h 14 min
